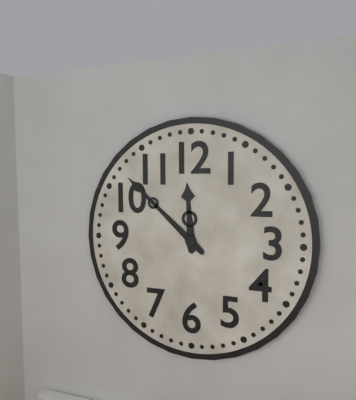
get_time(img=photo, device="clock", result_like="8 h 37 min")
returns 11 h 52 min
